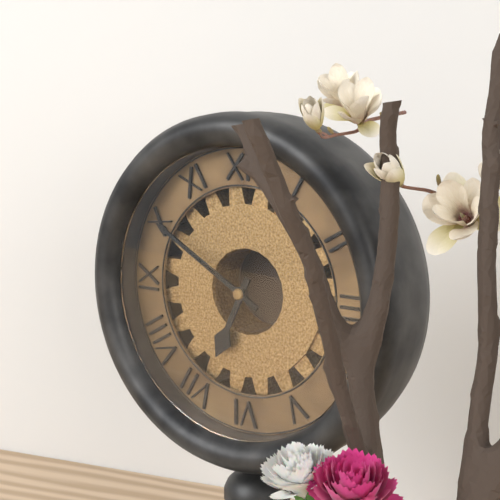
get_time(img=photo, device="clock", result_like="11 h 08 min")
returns 6 h 50 min
